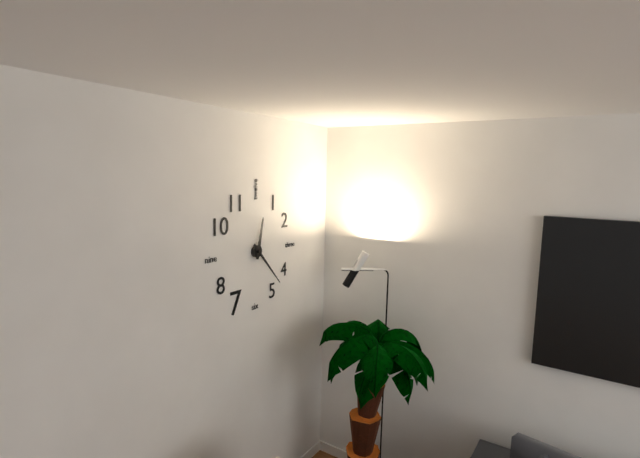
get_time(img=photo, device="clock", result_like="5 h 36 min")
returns 12 h 23 min
